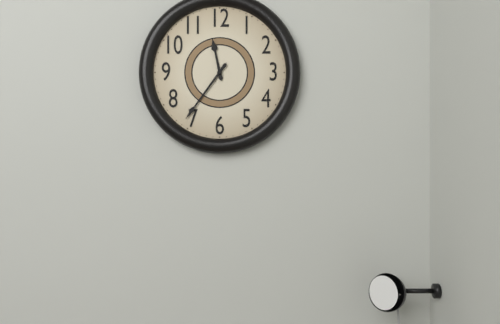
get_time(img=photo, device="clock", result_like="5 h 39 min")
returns 11 h 36 min
